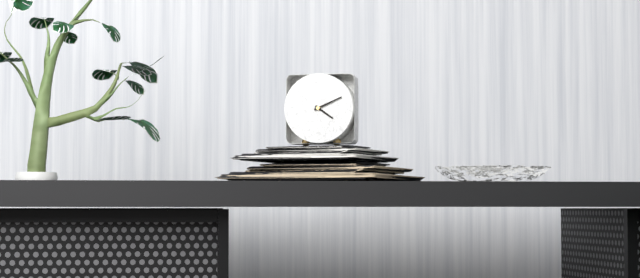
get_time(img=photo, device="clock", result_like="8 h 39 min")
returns 4 h 11 min
